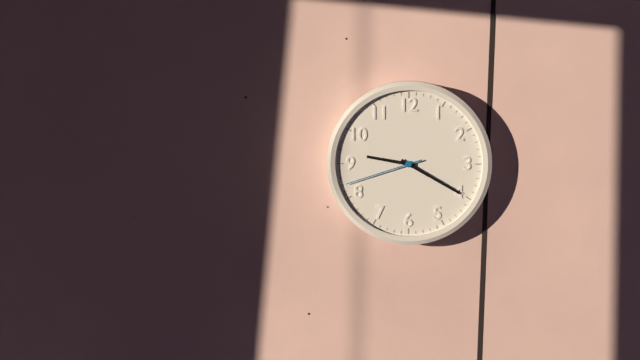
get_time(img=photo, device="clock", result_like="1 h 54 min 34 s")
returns 9 h 20 min 42 s
